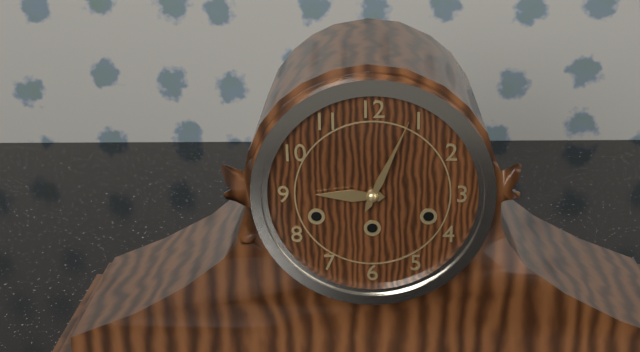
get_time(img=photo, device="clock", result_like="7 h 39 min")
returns 9 h 04 min
